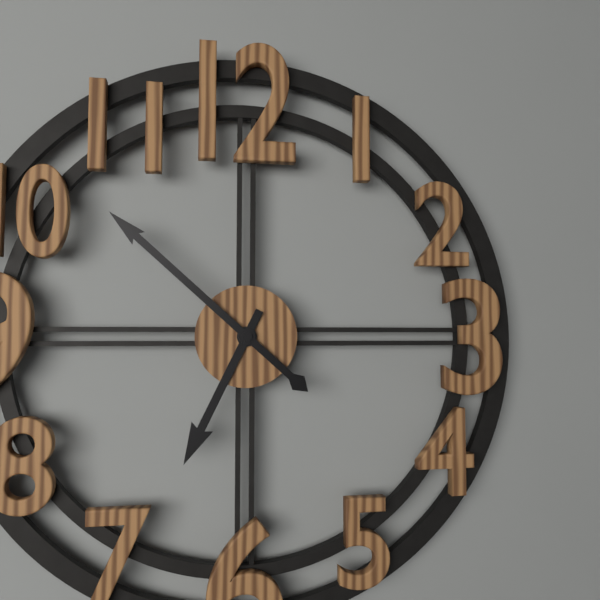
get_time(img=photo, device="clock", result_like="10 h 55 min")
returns 6 h 52 min
